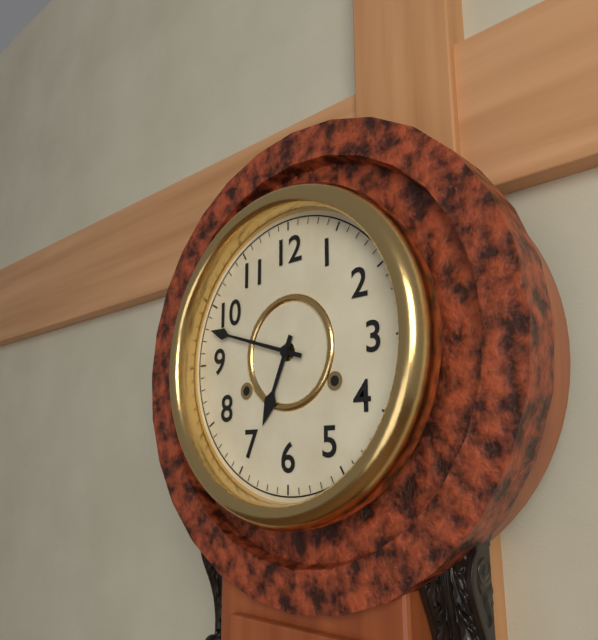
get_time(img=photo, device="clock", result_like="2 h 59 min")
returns 6 h 48 min
